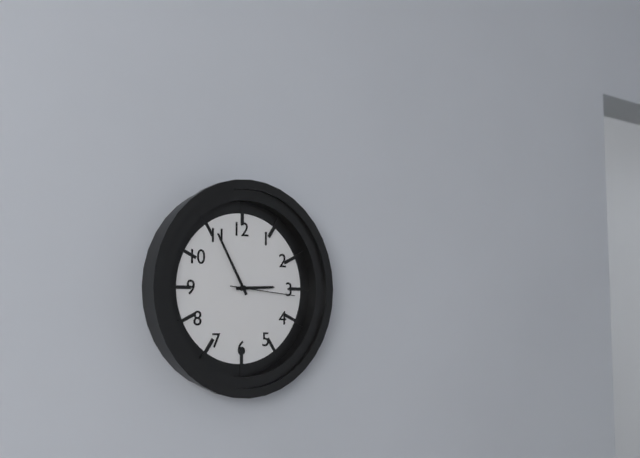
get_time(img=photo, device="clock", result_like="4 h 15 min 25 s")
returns 2 h 55 min 16 s
